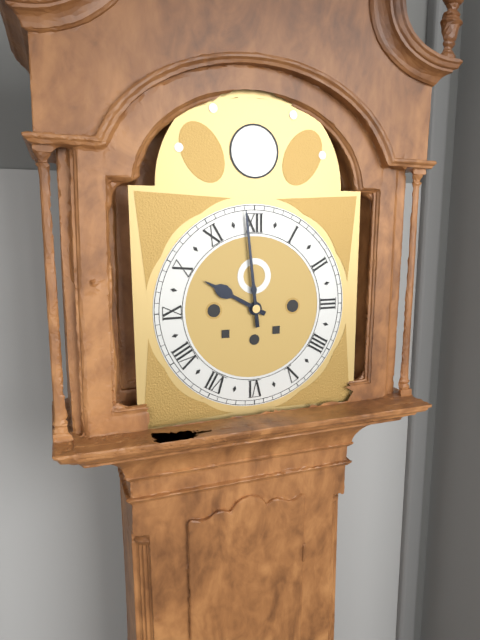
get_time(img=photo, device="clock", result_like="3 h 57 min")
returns 9 h 59 min
